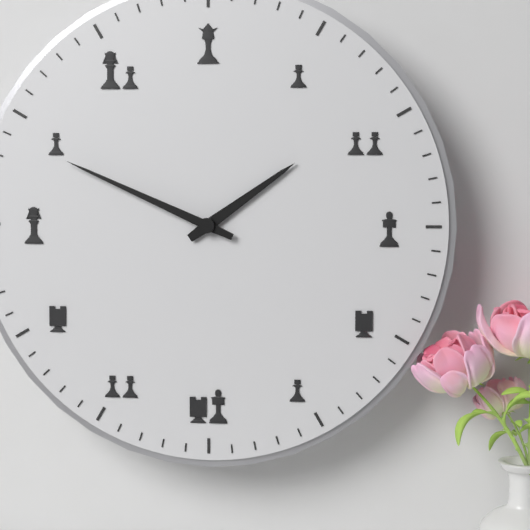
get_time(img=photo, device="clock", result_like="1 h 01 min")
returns 1 h 49 min
